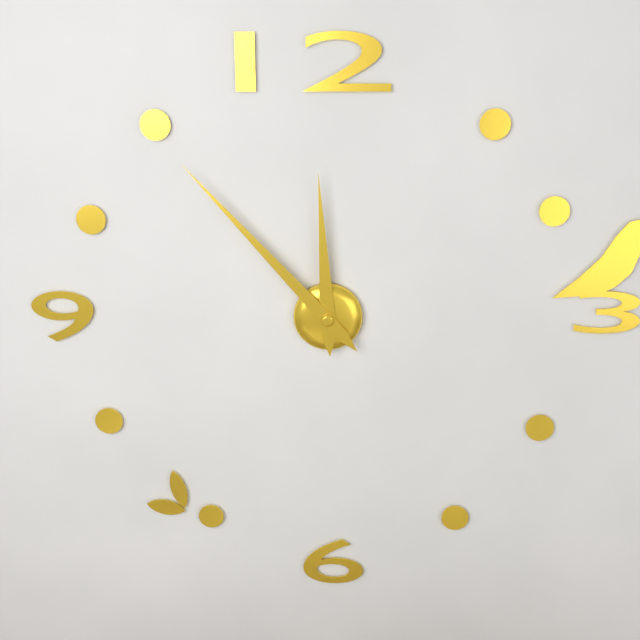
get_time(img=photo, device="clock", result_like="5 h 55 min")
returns 11 h 53 min
